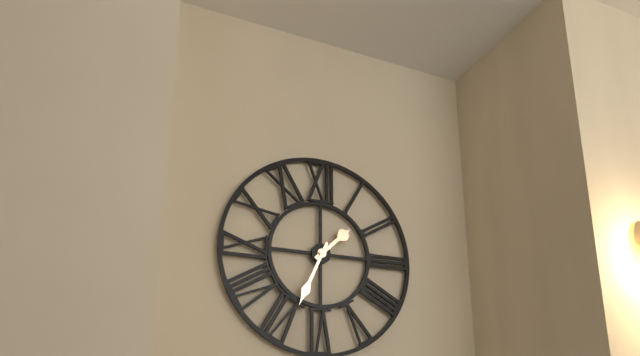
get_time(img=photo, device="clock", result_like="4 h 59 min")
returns 1 h 34 min
